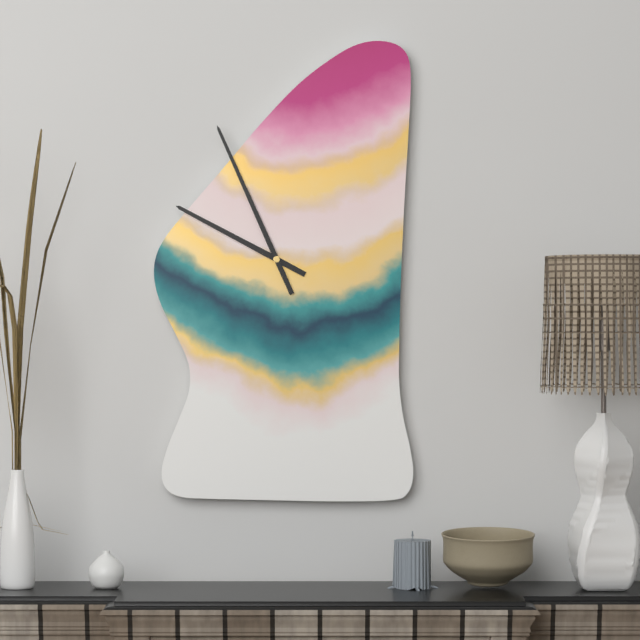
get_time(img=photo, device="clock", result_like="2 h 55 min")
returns 9 h 56 min
